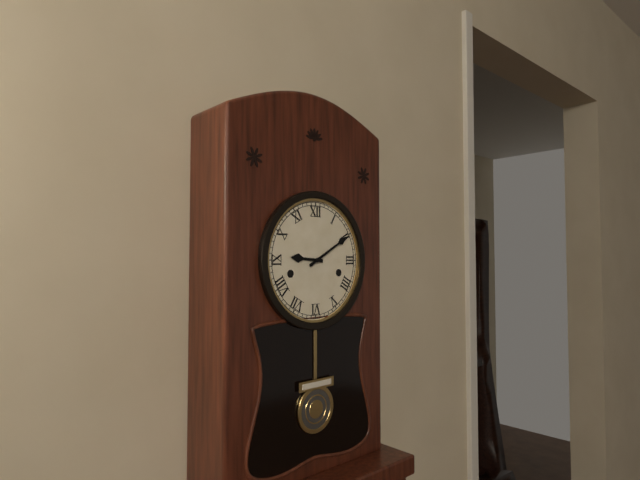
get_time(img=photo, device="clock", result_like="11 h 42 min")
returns 9 h 10 min
